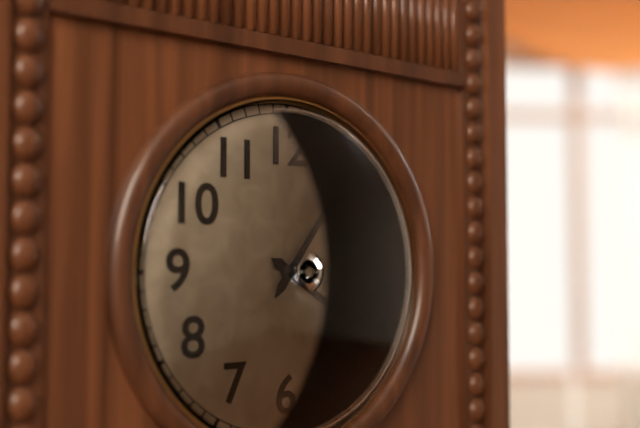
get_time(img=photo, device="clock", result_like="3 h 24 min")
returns 4 h 06 min
